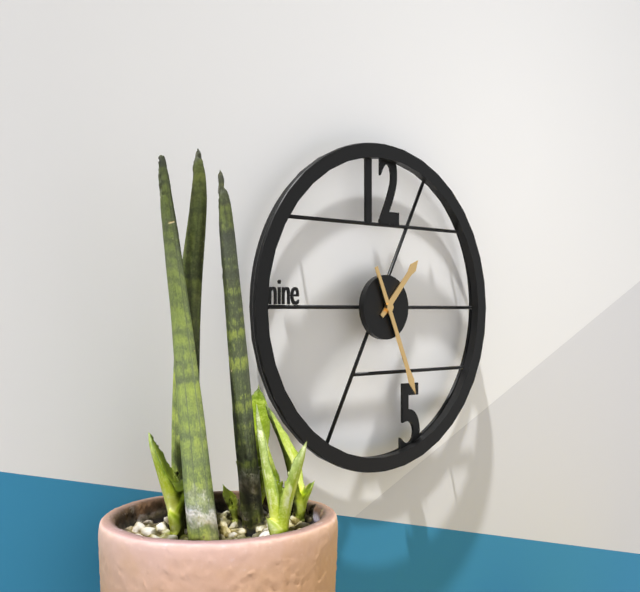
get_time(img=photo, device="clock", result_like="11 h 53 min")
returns 1 h 26 min
